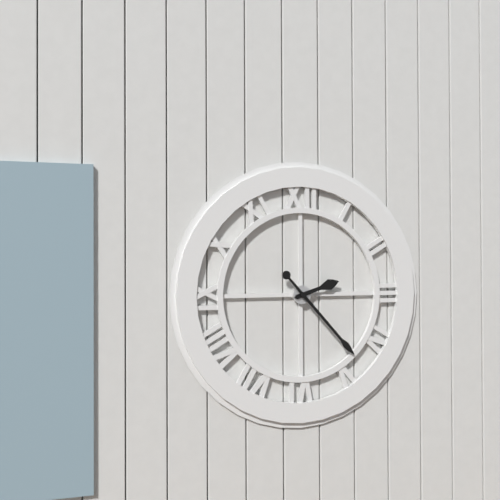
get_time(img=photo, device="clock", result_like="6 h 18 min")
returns 2 h 23 min
